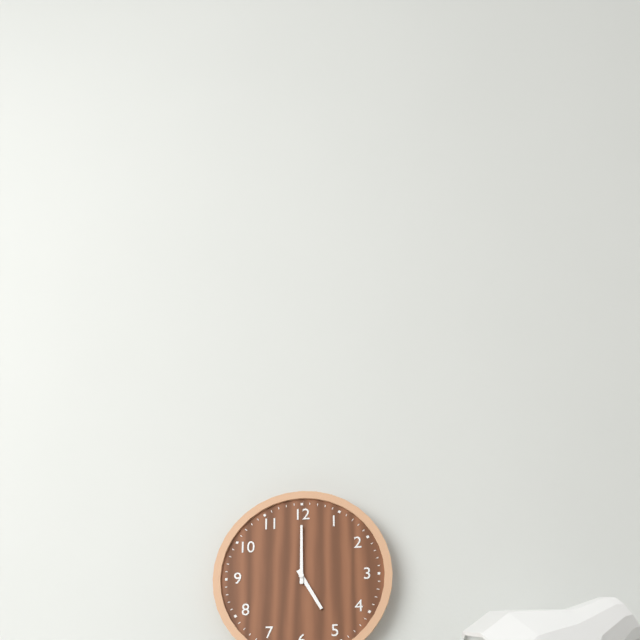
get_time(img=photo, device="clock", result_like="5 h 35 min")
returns 5 h 00 min
